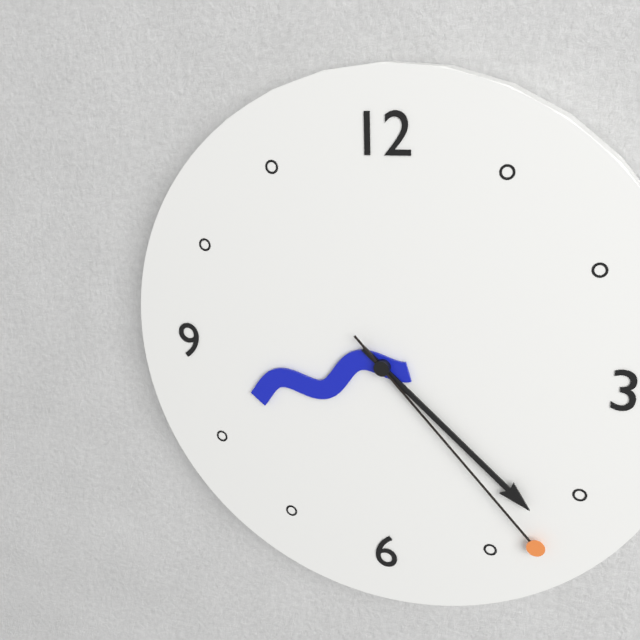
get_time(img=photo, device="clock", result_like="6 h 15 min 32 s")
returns 8 h 22 min 23 s
